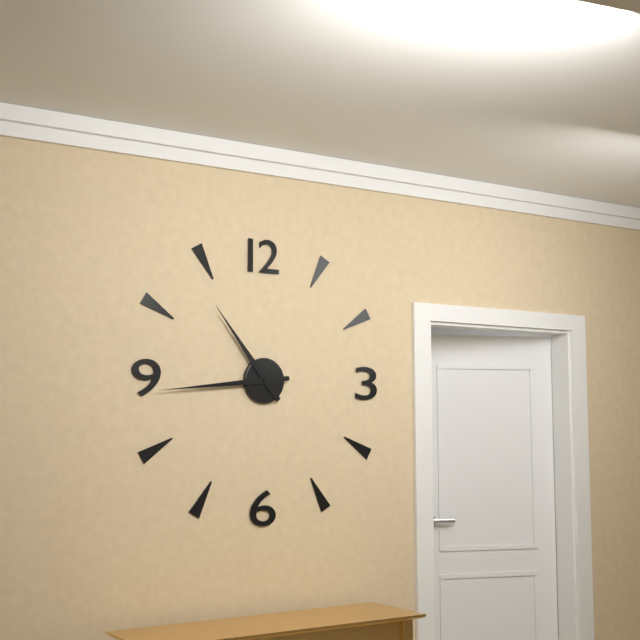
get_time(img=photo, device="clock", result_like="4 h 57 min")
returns 10 h 44 min
